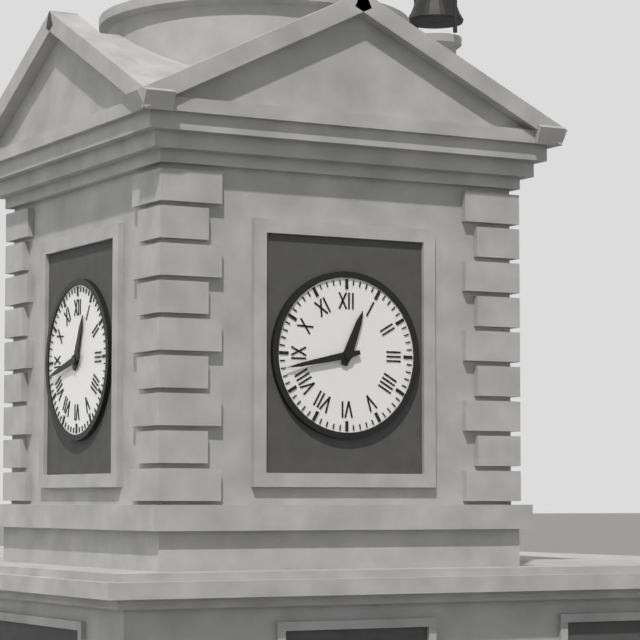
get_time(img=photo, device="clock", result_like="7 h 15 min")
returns 12 h 43 min
